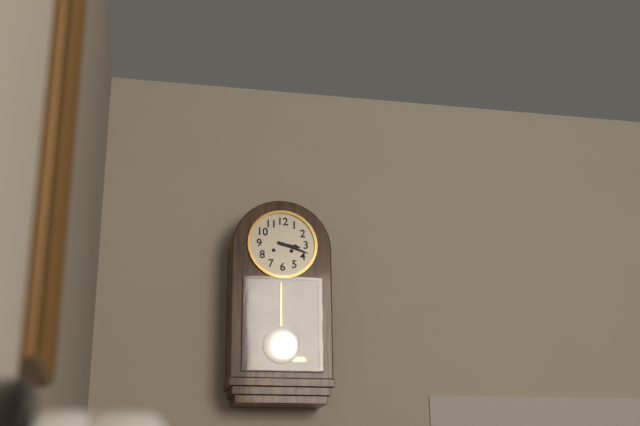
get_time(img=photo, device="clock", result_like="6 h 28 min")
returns 3 h 18 min
